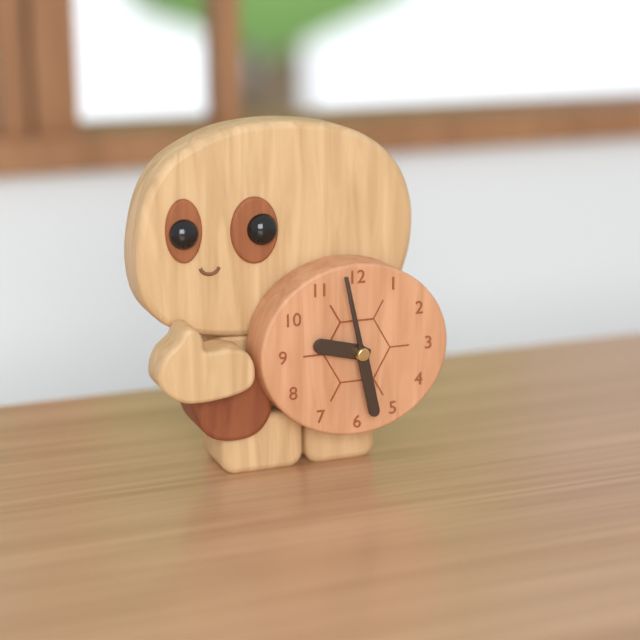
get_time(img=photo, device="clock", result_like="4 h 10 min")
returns 9 h 28 min
